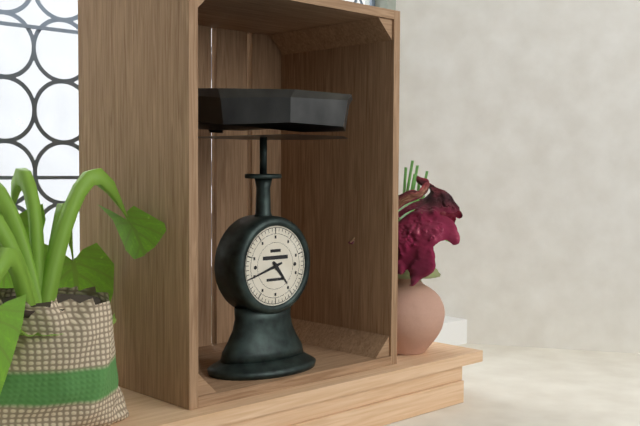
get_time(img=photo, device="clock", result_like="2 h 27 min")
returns 4 h 42 min
